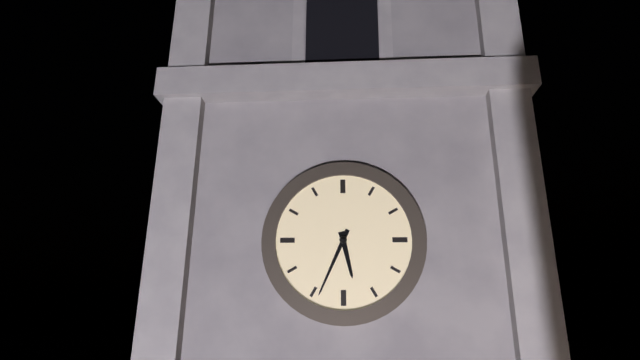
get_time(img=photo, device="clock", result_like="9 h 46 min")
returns 5 h 34 min
